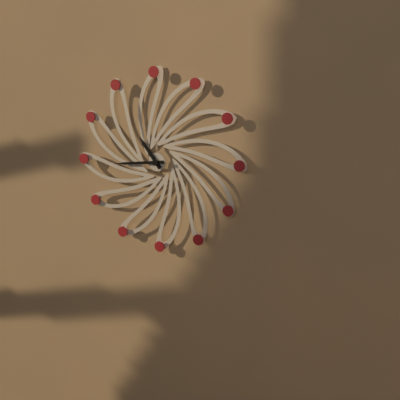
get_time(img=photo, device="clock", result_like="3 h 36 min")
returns 10 h 44 min
